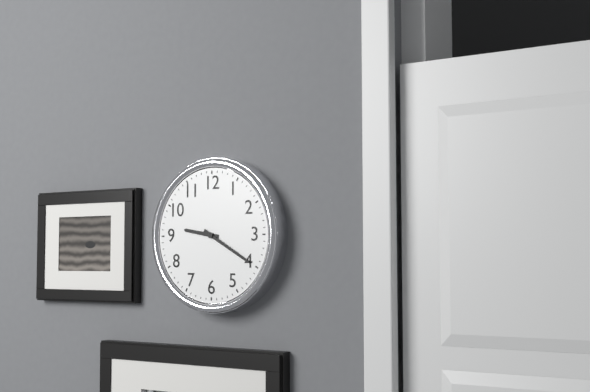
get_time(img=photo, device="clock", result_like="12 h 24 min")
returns 9 h 20 min
